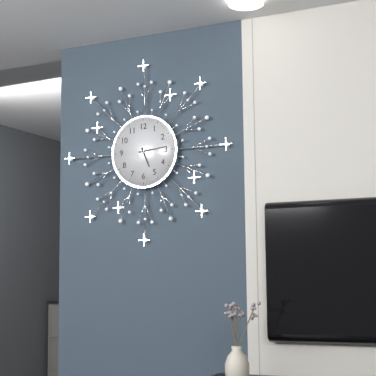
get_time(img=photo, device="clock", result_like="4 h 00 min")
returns 5 h 14 min
